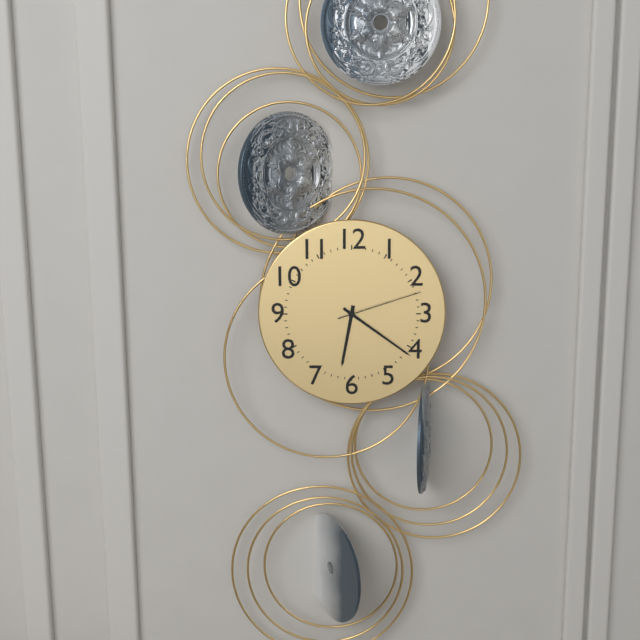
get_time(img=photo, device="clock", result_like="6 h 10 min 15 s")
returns 6 h 21 min 12 s
